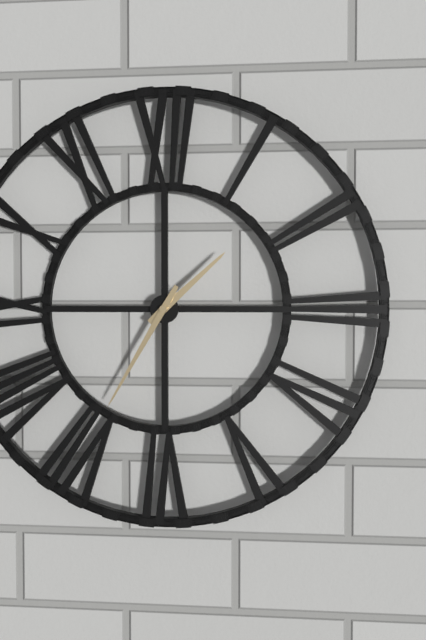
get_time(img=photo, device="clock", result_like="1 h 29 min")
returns 1 h 35 min
